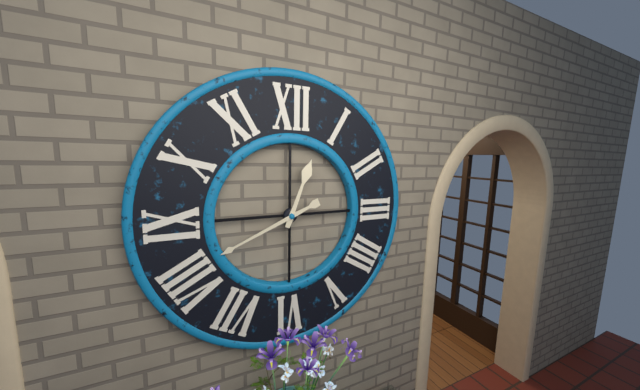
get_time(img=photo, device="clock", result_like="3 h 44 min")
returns 12 h 41 min
